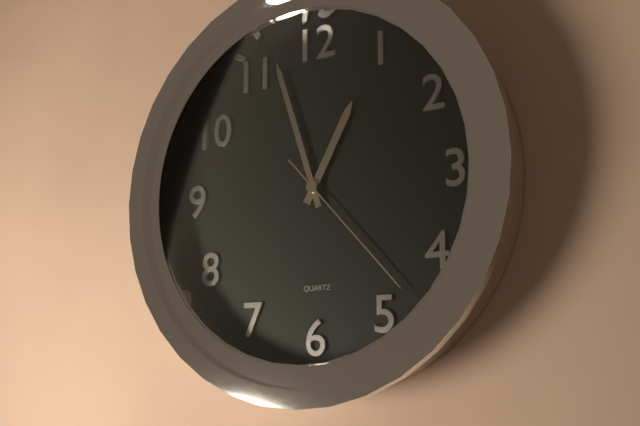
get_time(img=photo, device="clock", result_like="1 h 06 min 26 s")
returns 12 h 57 min 23 s
